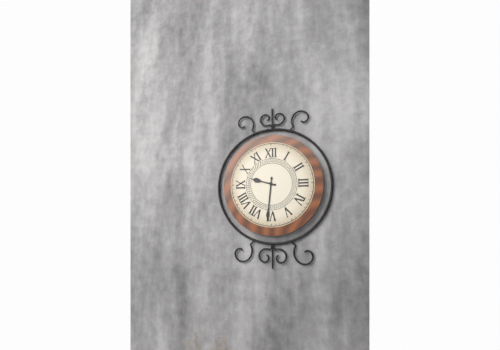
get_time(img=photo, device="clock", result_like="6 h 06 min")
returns 9 h 31 min
